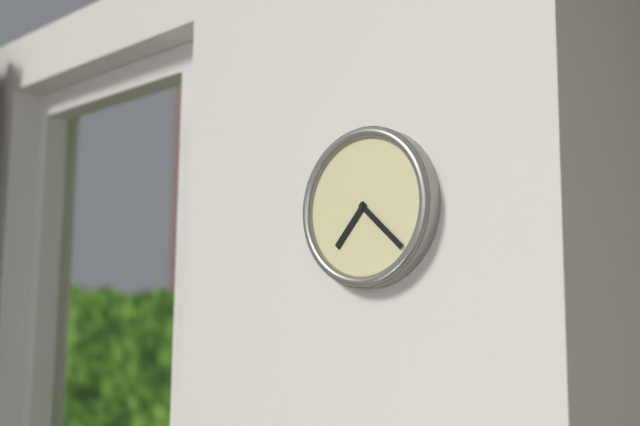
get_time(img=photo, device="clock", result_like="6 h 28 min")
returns 7 h 22 min
